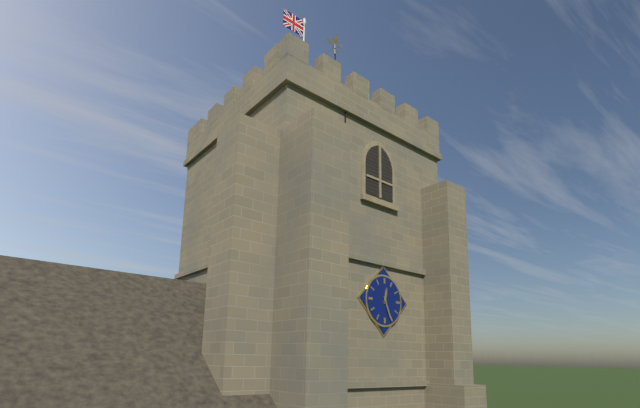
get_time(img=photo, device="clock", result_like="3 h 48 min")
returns 12 h 26 min
